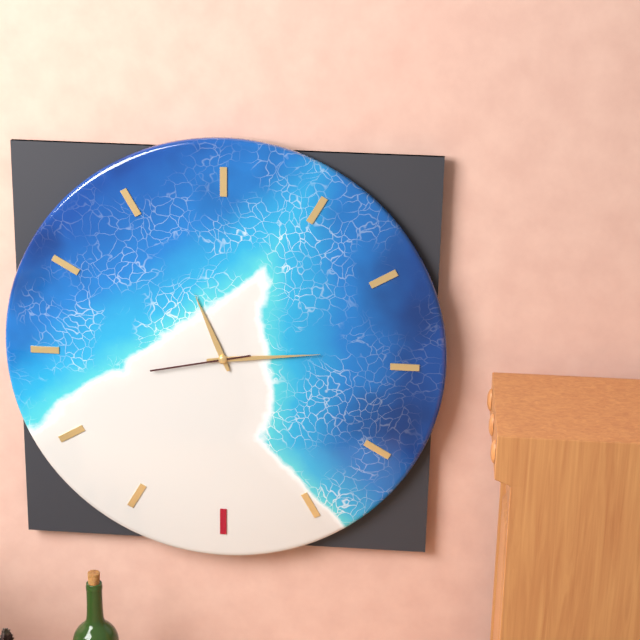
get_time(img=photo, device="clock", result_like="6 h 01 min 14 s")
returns 11 h 14 min 43 s
